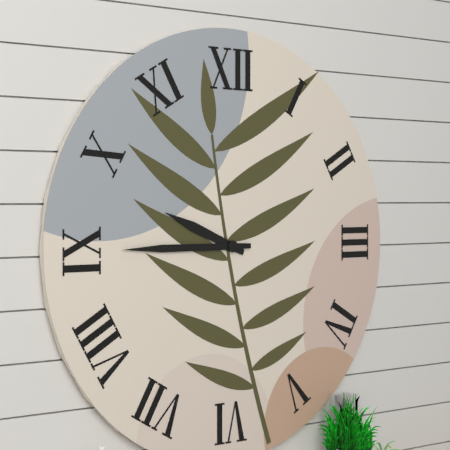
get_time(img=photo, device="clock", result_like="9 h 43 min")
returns 9 h 45 min
